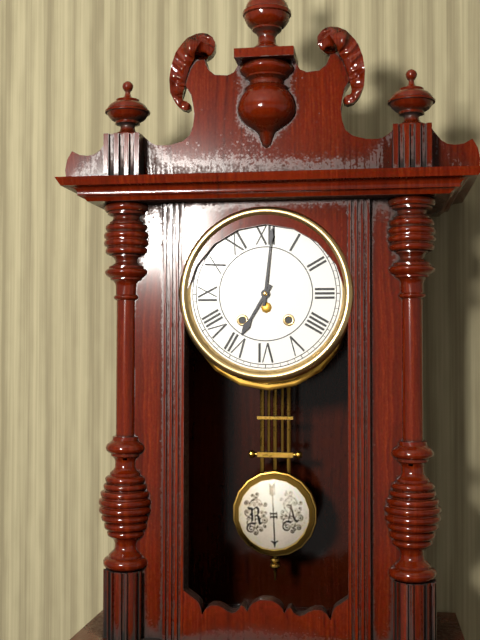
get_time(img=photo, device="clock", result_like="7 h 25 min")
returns 7 h 01 min
